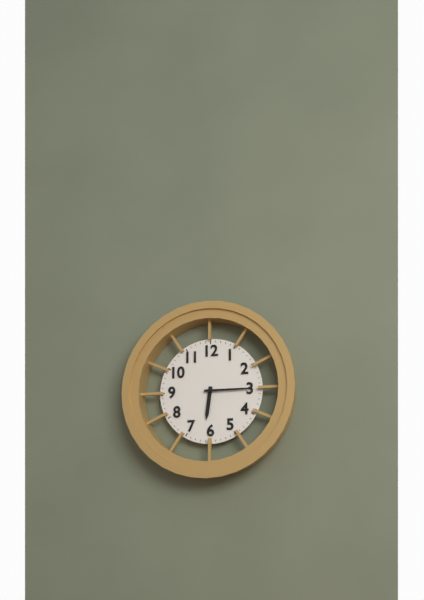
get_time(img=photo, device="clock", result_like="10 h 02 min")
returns 6 h 15 min
